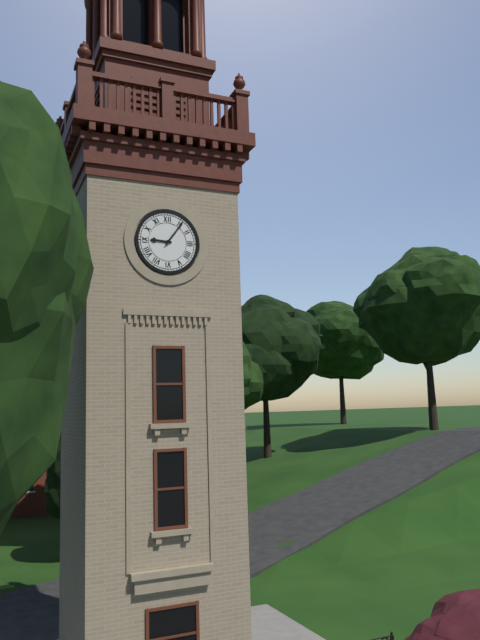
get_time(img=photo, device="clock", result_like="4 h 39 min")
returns 9 h 06 min
